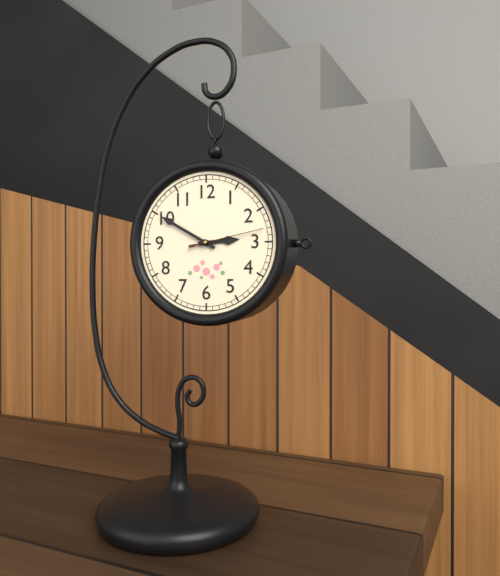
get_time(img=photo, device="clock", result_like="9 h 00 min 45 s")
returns 2 h 50 min 13 s
